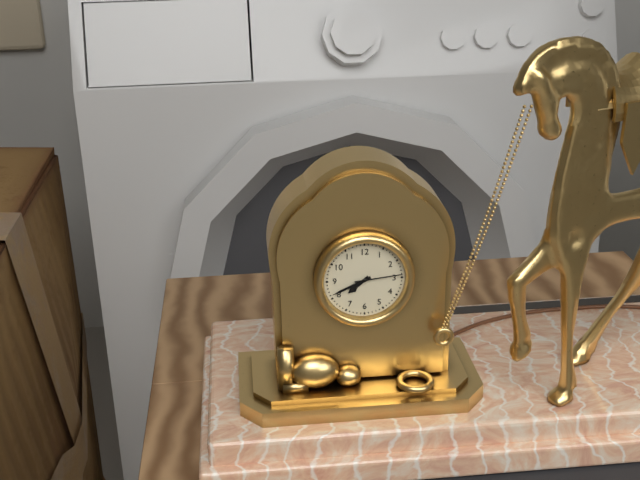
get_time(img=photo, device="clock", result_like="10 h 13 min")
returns 7 h 41 min
